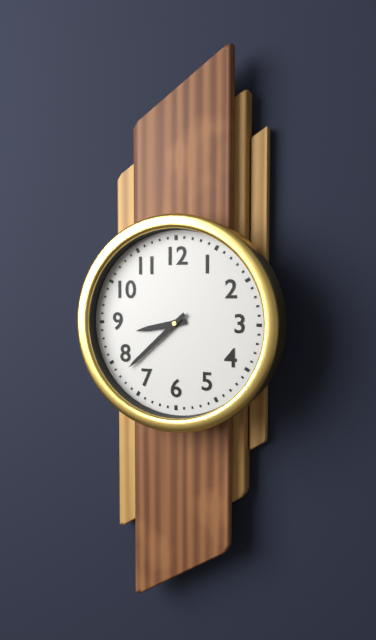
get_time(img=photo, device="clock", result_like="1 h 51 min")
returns 8 h 38 min
